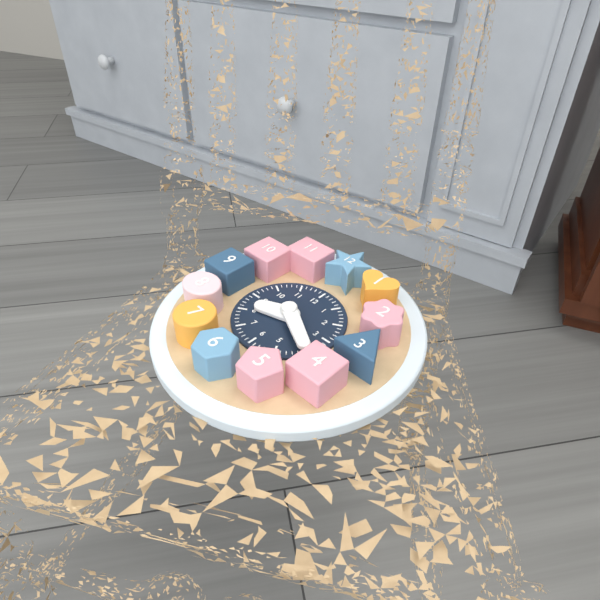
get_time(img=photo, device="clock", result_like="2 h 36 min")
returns 8 h 20 min
